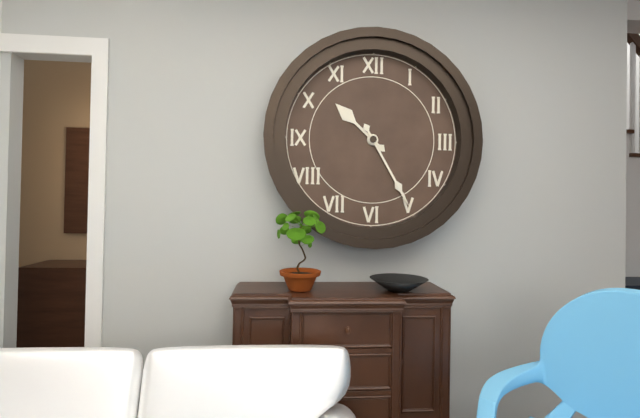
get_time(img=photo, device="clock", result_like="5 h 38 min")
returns 10 h 25 min
